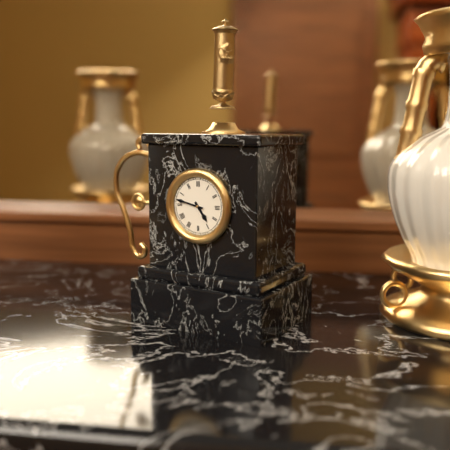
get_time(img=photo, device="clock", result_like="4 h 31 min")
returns 4 h 47 min
